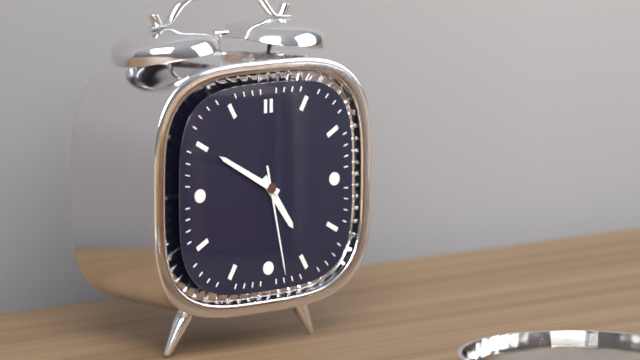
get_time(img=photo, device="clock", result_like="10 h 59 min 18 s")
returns 4 h 50 min 28 s
